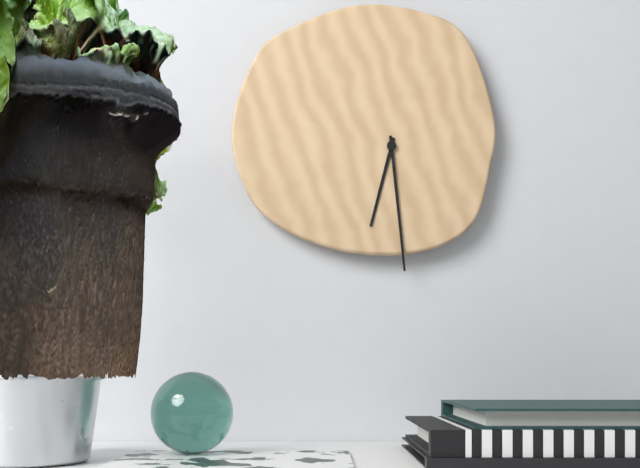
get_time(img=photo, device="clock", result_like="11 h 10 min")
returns 6 h 29 min
